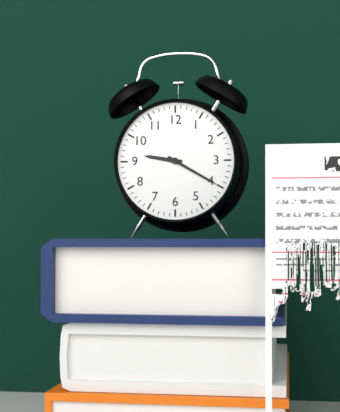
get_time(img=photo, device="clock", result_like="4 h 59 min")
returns 9 h 20 min
